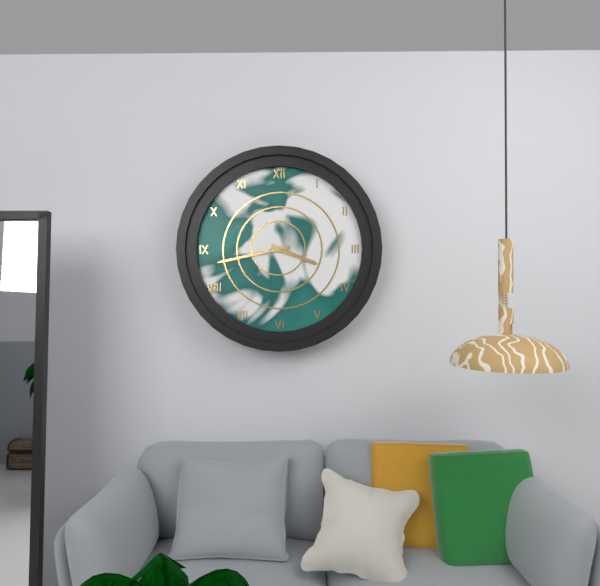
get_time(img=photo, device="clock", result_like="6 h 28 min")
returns 3 h 43 min
